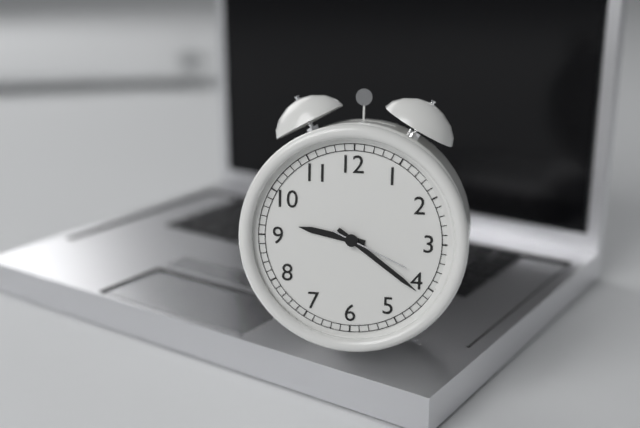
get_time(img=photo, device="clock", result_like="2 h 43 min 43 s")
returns 9 h 21 min 19 s
